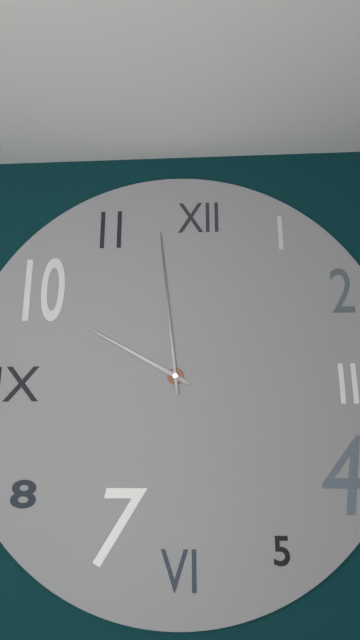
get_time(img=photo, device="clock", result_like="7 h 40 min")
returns 9 h 59 min
